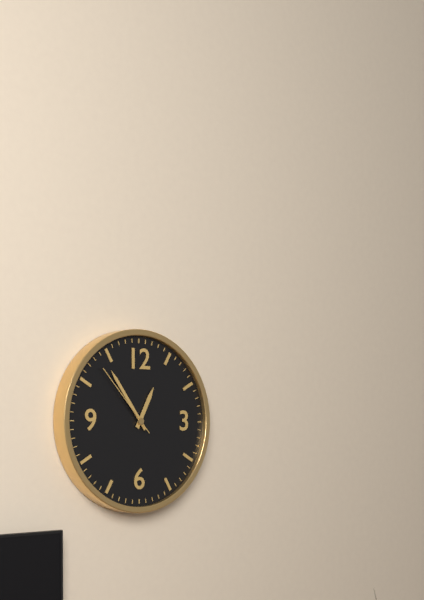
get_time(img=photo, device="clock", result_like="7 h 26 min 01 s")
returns 12 h 54 min 53 s
